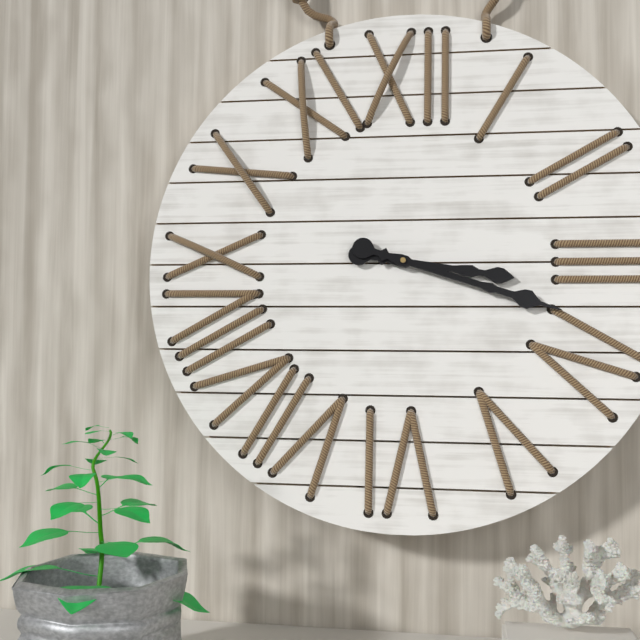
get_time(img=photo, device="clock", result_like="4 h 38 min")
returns 3 h 18 min
